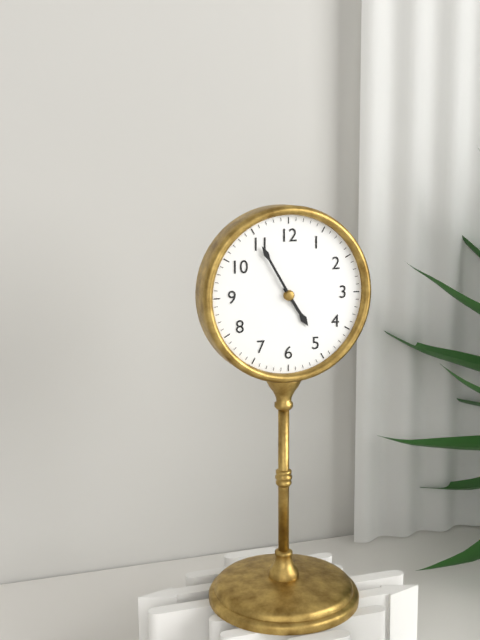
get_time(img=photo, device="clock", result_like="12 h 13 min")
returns 4 h 55 min
